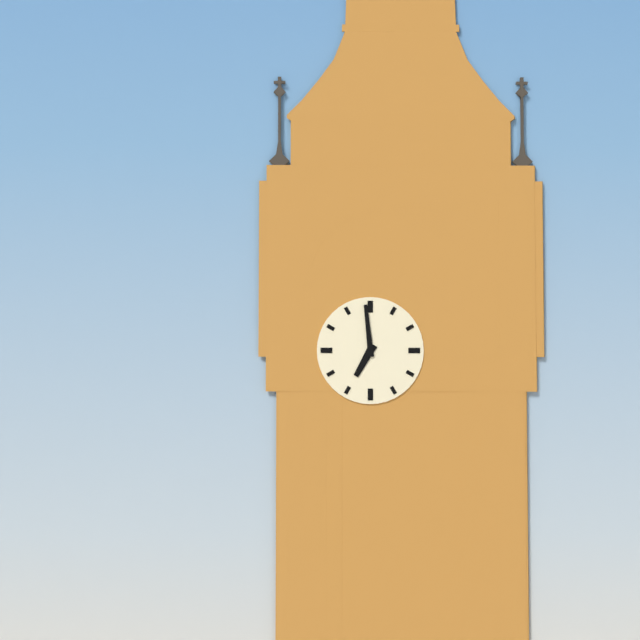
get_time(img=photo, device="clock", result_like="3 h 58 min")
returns 6 h 59 min
